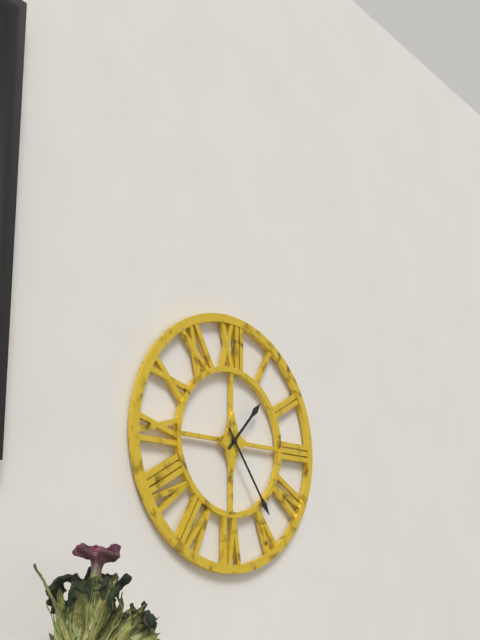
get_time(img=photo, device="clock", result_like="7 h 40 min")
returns 1 h 24 min
